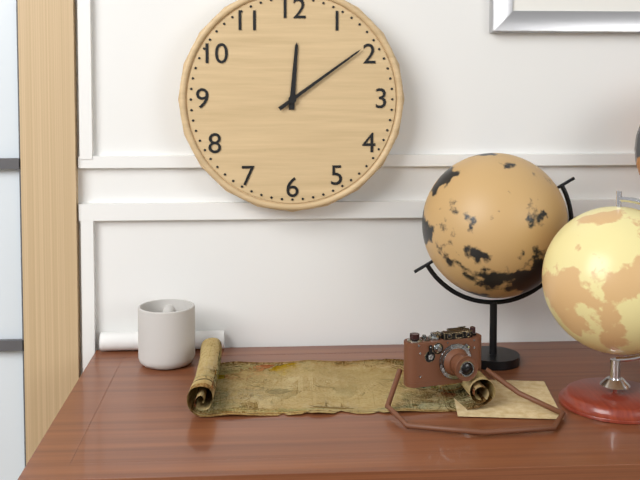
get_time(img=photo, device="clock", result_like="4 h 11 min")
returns 12 h 09 min
